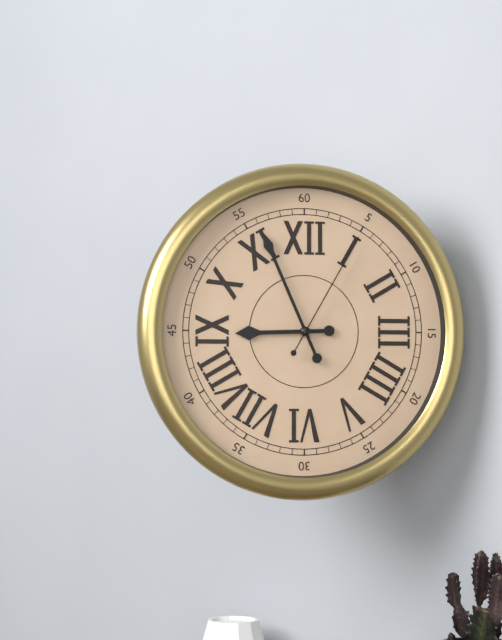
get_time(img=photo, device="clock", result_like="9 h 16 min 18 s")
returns 8 h 56 min 05 s
